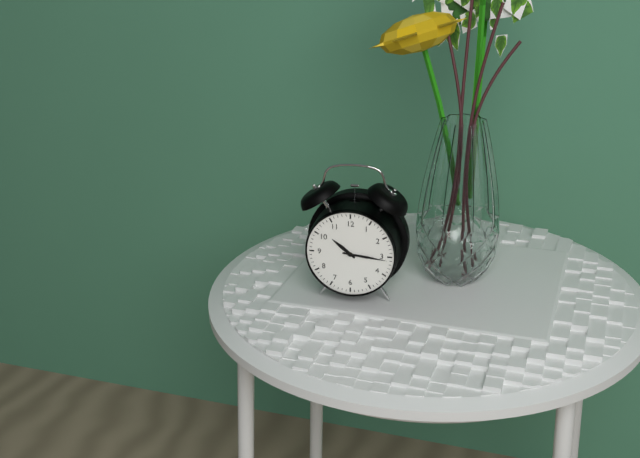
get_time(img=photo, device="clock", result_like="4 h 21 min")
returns 10 h 16 min
